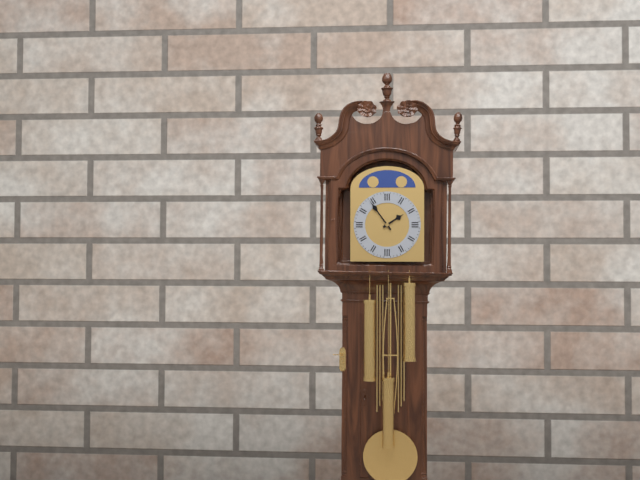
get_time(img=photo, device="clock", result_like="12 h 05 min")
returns 1 h 54 min
